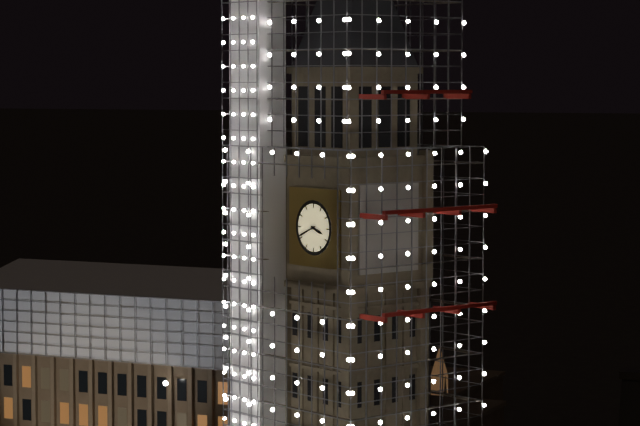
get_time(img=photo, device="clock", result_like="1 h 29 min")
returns 3 h 41 min
